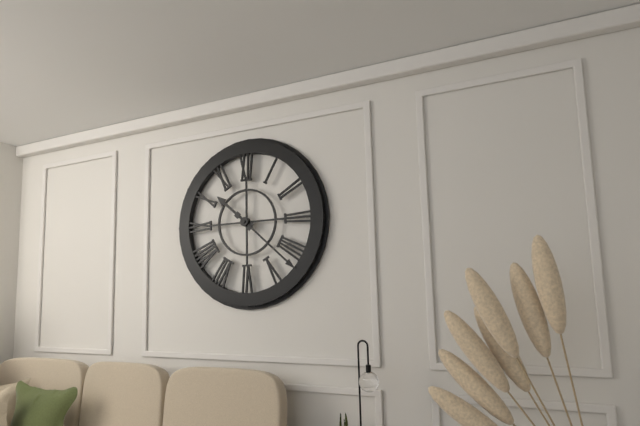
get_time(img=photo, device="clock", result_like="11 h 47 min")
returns 10 h 22 min
